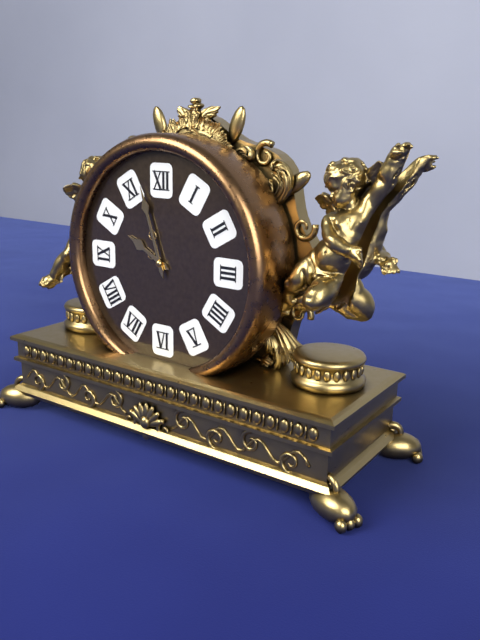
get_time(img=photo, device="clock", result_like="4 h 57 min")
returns 9 h 57 min
